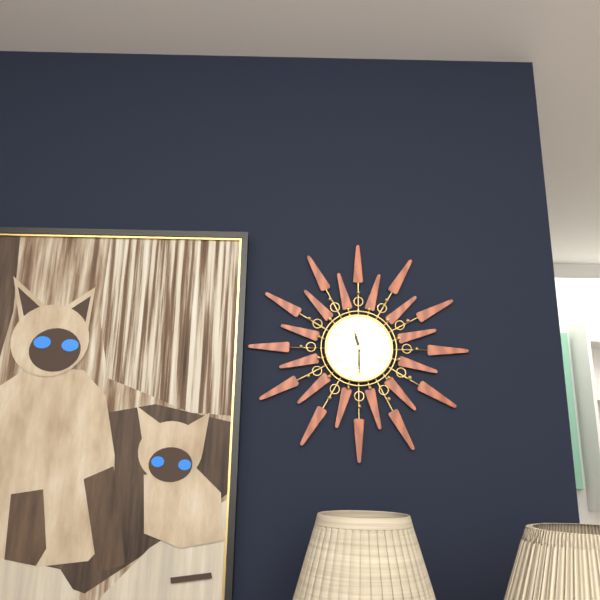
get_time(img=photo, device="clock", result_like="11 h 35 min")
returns 11 h 30 min
